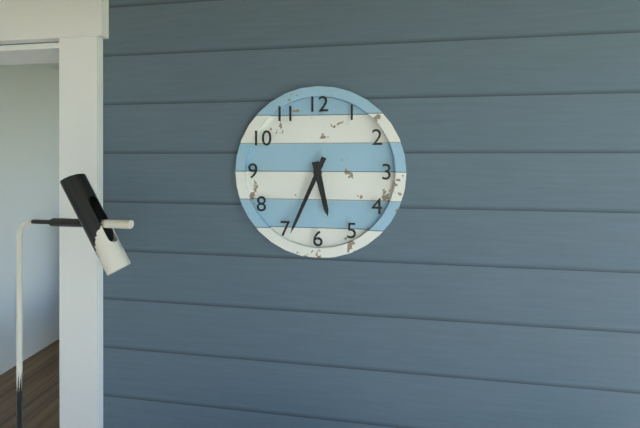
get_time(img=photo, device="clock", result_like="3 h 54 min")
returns 5 h 34 min
